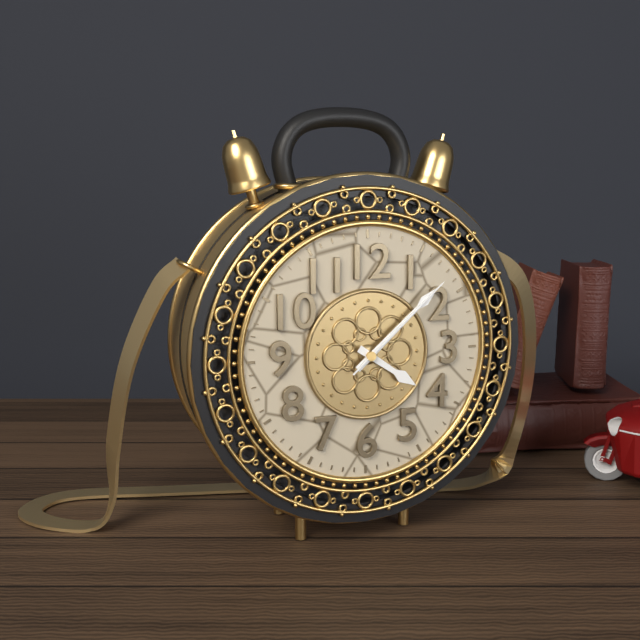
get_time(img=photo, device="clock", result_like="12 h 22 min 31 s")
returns 4 h 08 min 08 s
